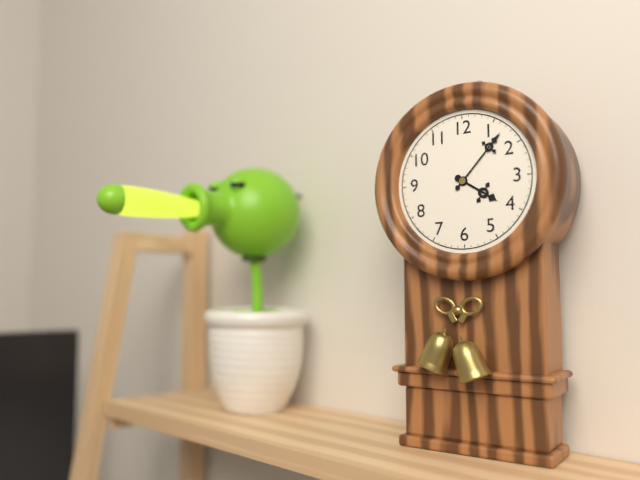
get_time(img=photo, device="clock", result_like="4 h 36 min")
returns 4 h 07 min
